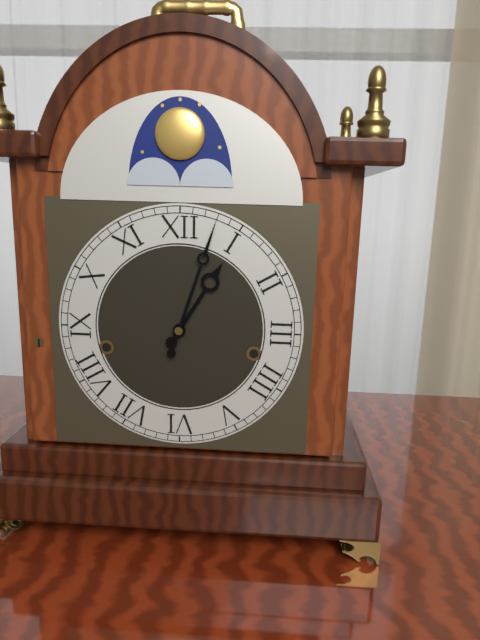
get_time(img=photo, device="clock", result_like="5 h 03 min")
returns 1 h 03 min
